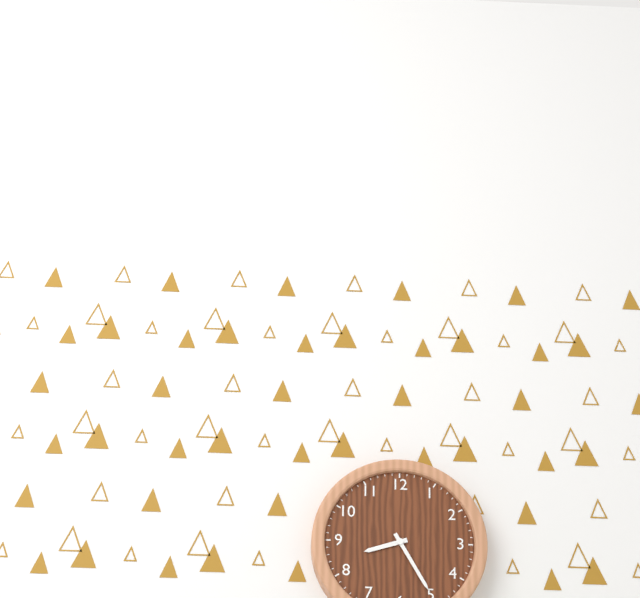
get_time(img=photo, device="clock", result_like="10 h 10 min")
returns 8 h 25 min
